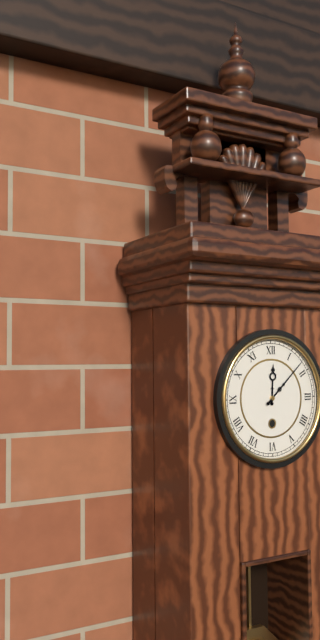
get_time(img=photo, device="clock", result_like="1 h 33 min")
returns 12 h 08 min
